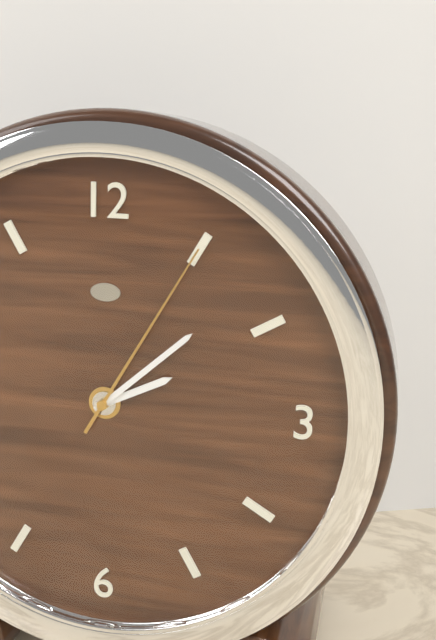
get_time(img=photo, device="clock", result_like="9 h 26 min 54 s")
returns 2 h 08 min 05 s
